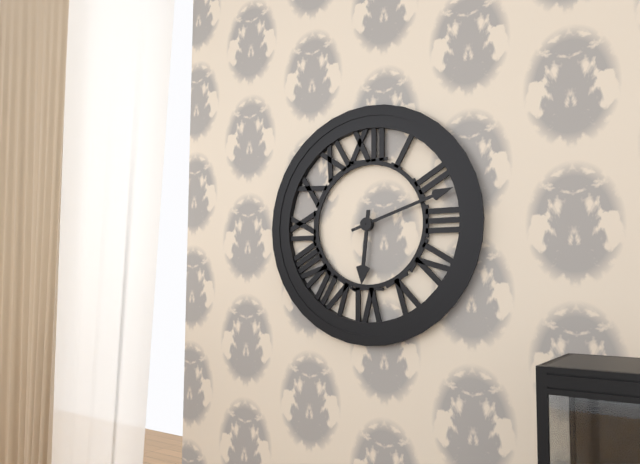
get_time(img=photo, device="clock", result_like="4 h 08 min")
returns 6 h 12 min
